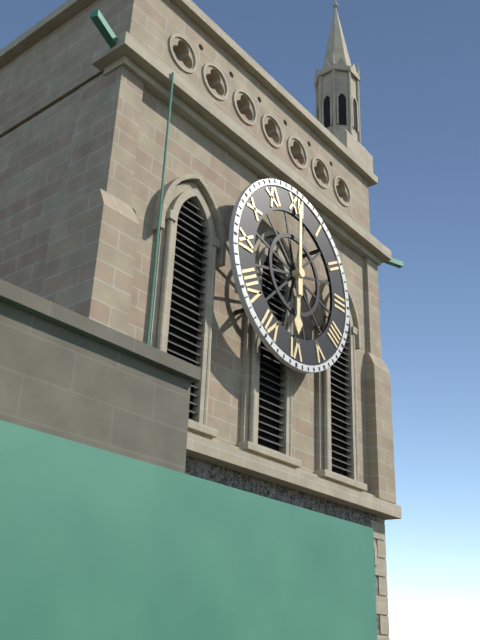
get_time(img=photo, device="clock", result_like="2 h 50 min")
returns 6 h 00 min
